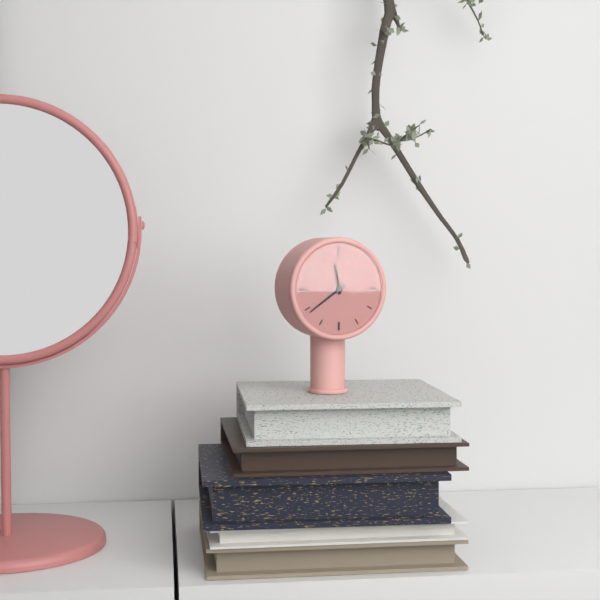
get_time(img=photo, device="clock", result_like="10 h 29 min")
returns 11 h 39 min
